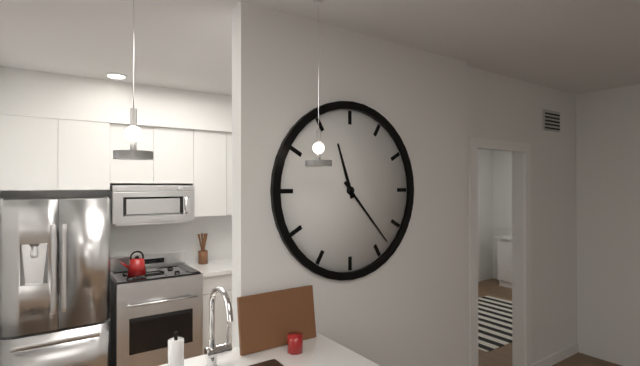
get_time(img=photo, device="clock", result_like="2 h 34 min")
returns 11 h 23 min
